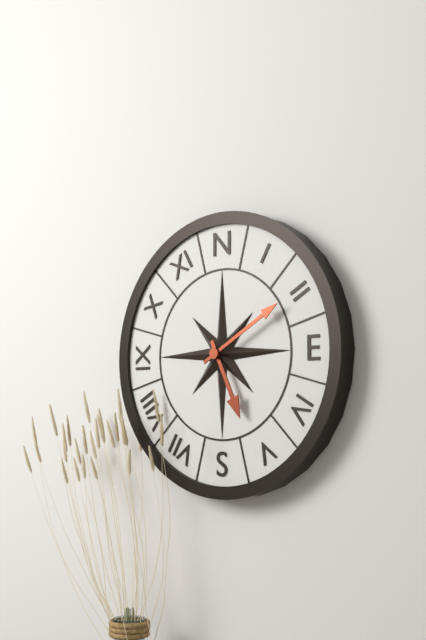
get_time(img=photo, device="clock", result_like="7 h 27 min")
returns 5 h 10 min
